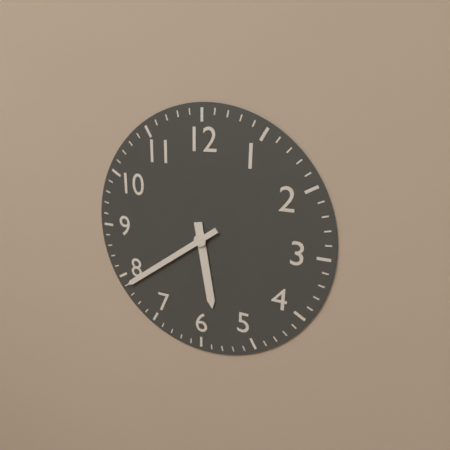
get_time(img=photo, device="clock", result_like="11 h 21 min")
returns 5 h 39 min
